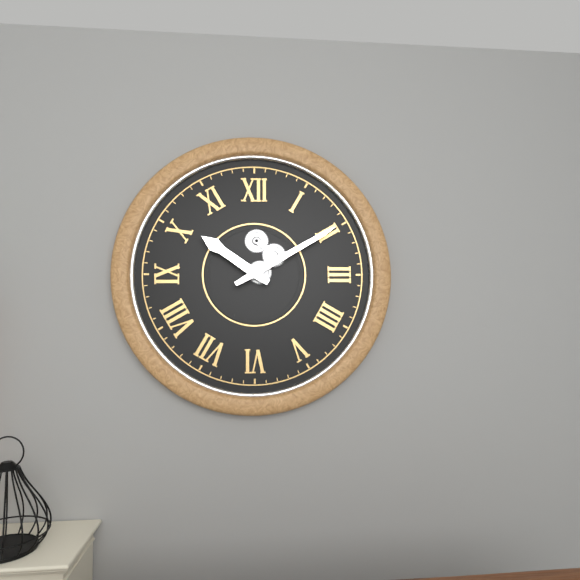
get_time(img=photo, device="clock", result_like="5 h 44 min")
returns 10 h 10 min
